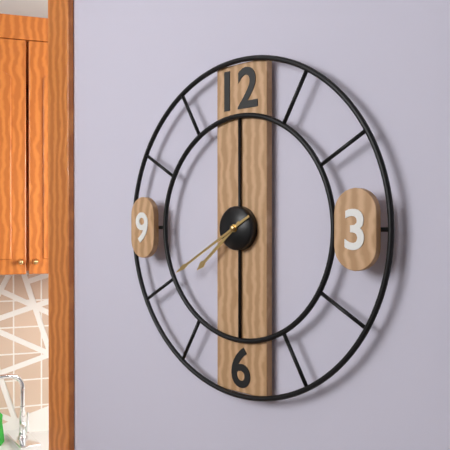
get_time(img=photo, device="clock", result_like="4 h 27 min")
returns 7 h 40 min
